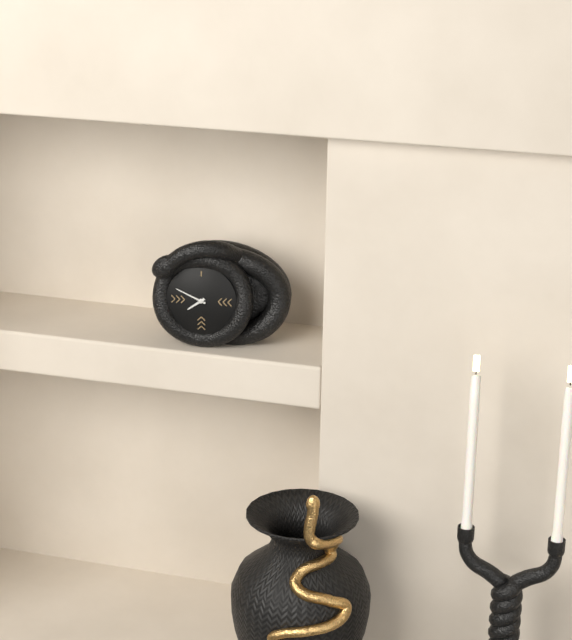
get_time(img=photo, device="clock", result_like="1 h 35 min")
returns 7 h 49 min
